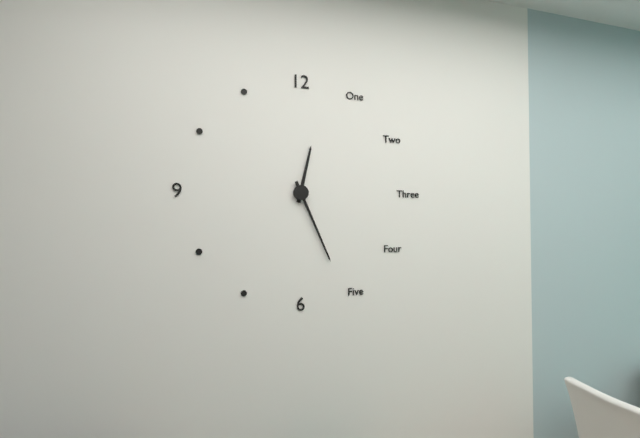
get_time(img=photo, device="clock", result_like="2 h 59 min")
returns 12 h 26 min
